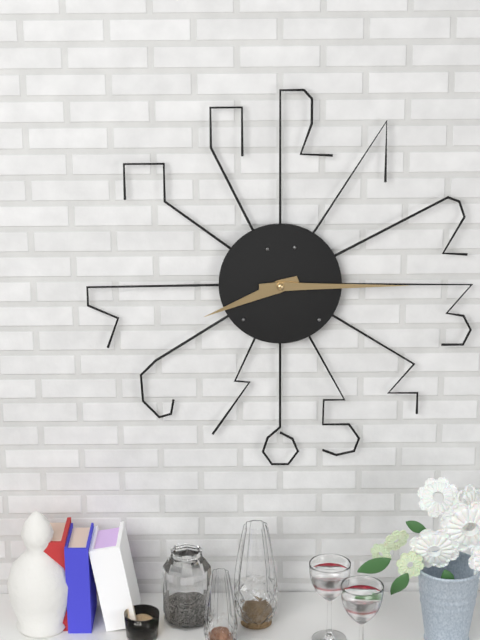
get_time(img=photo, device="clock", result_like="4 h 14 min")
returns 8 h 15 min
